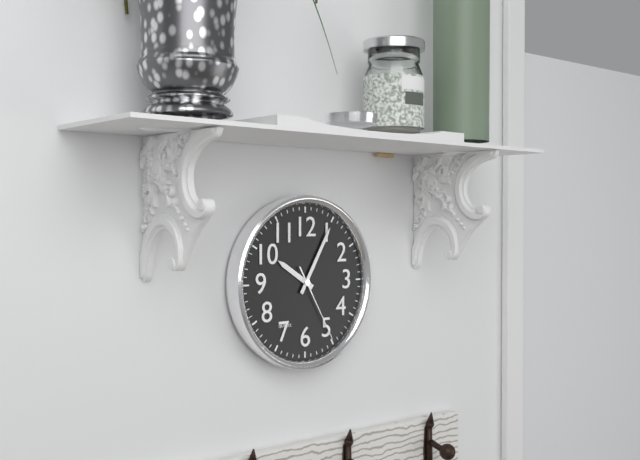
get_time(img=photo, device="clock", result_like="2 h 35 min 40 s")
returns 10 h 05 min 25 s
